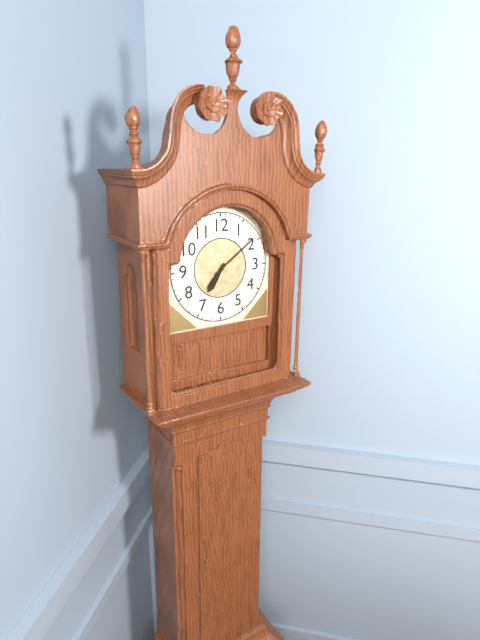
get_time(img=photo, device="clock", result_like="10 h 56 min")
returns 7 h 09 min
